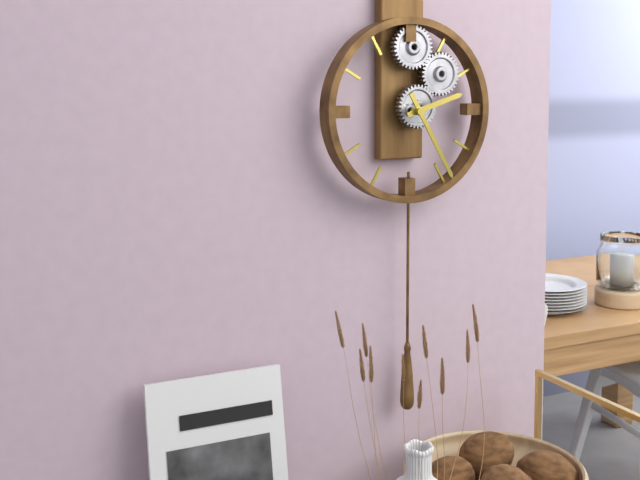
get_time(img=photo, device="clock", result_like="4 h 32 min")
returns 2 h 25 min
